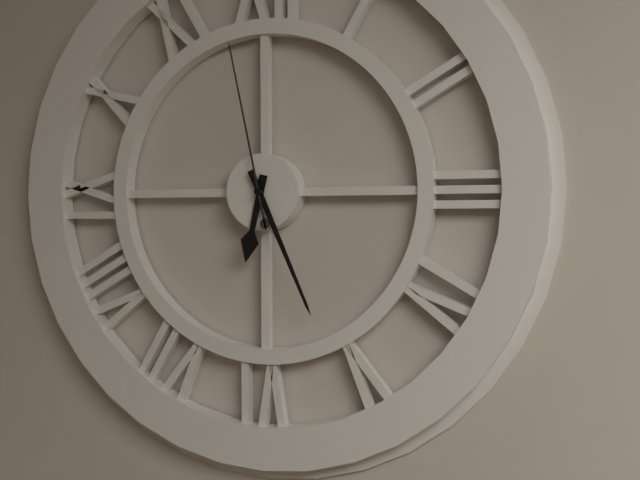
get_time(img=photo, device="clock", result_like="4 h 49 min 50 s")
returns 6 h 26 min 58 s
